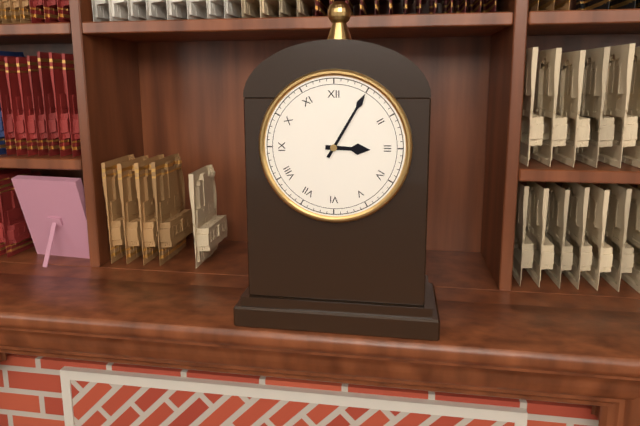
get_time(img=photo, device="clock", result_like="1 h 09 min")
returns 3 h 05 min
